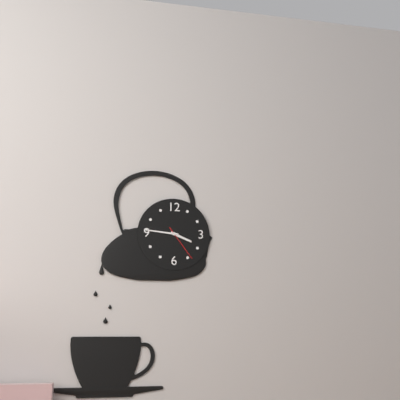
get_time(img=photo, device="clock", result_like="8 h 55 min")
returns 3 h 46 min
